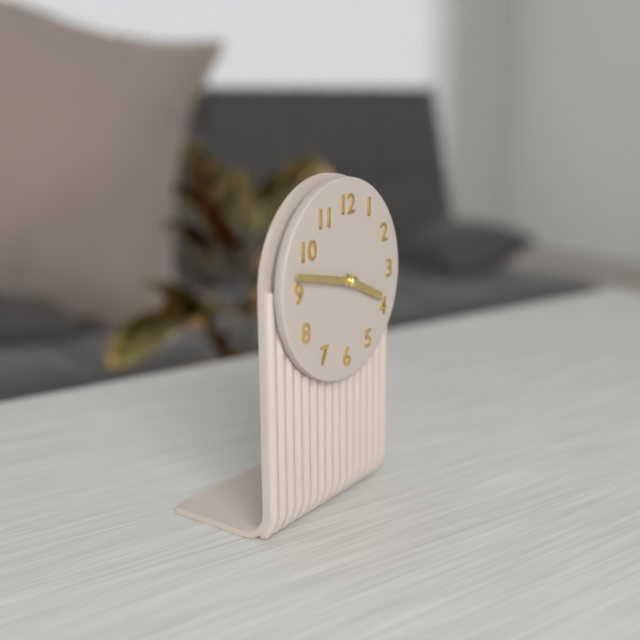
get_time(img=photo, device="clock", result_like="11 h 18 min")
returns 3 h 47 min
